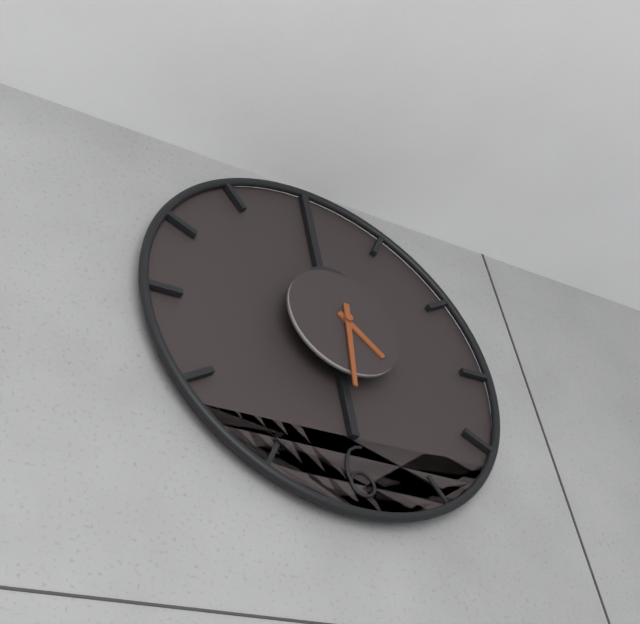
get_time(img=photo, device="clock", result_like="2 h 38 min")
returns 4 h 31 min
